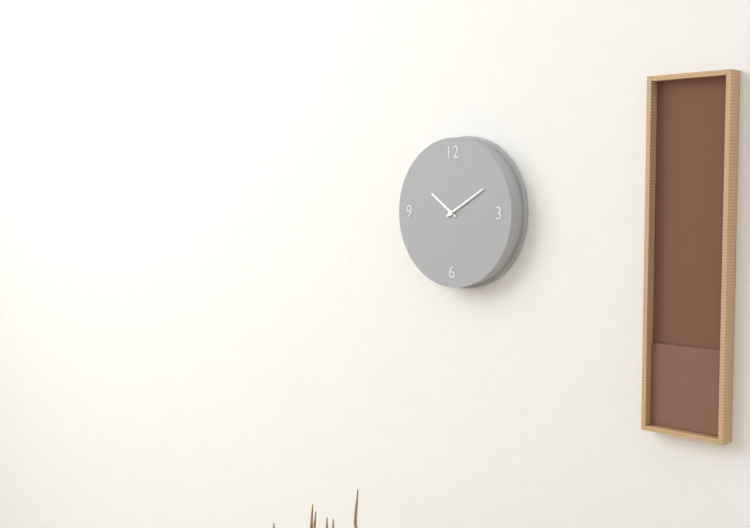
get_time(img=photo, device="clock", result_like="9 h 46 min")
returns 10 h 10 min
